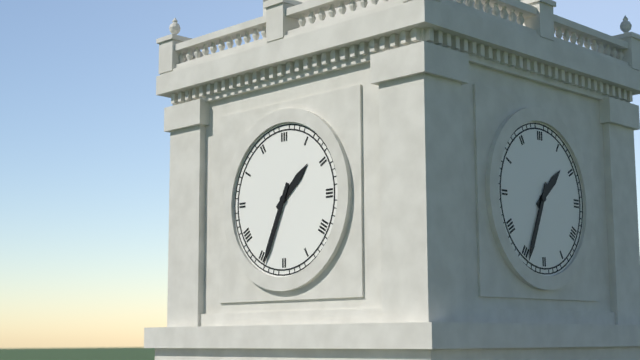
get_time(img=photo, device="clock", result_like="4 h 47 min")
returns 1 h 34 min
